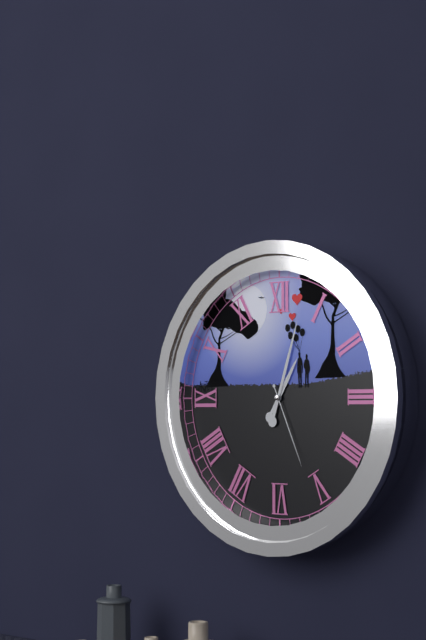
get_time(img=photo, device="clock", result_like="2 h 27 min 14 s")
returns 1 h 03 min 26 s
